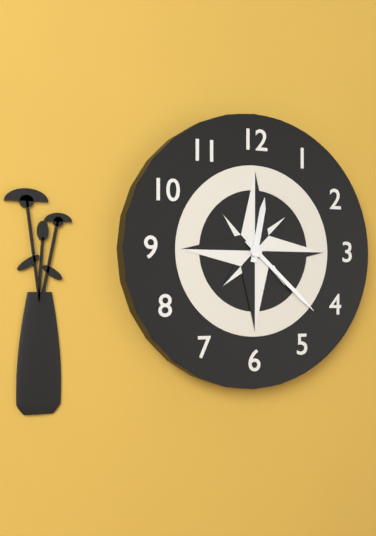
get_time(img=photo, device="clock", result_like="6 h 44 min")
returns 12 h 22 min
